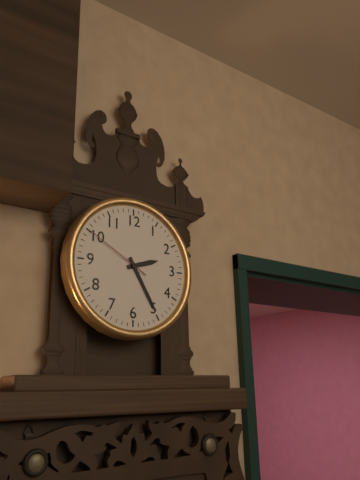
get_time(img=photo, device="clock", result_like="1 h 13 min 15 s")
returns 2 h 25 min 50 s
